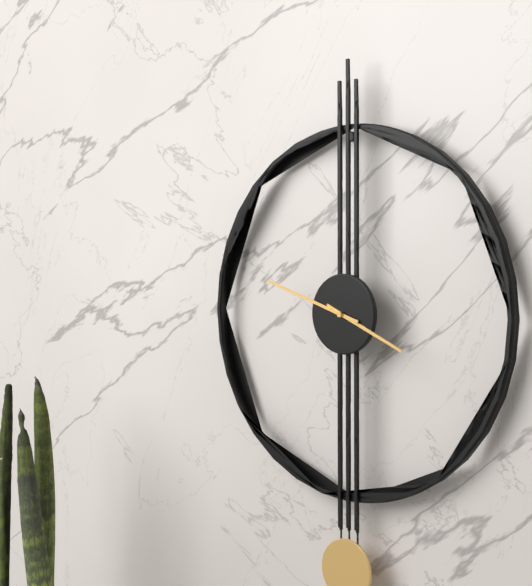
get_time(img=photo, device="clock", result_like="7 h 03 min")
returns 3 h 48 min
